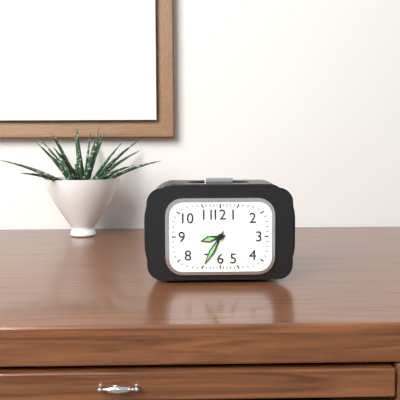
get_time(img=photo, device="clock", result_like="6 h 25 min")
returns 8 h 35 min
